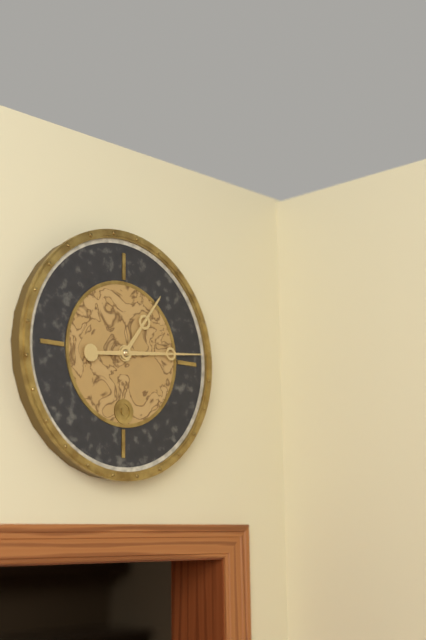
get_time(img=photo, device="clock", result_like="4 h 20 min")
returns 1 h 14 min
